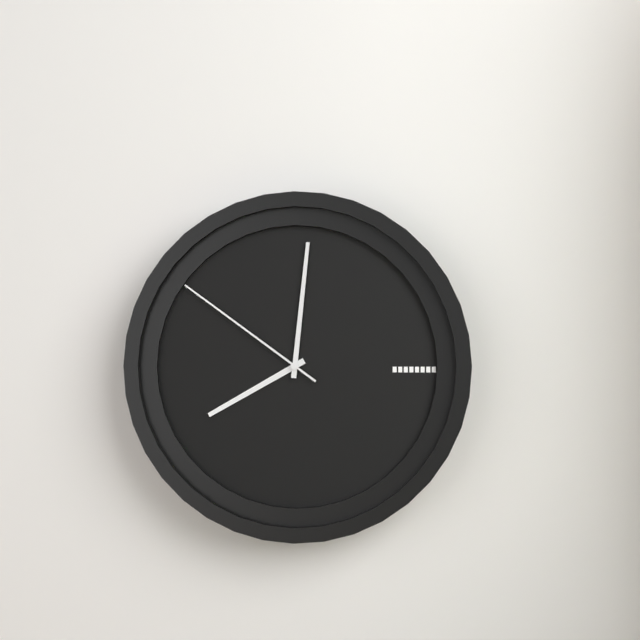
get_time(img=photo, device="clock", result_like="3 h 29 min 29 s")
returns 8 h 01 min 51 s
